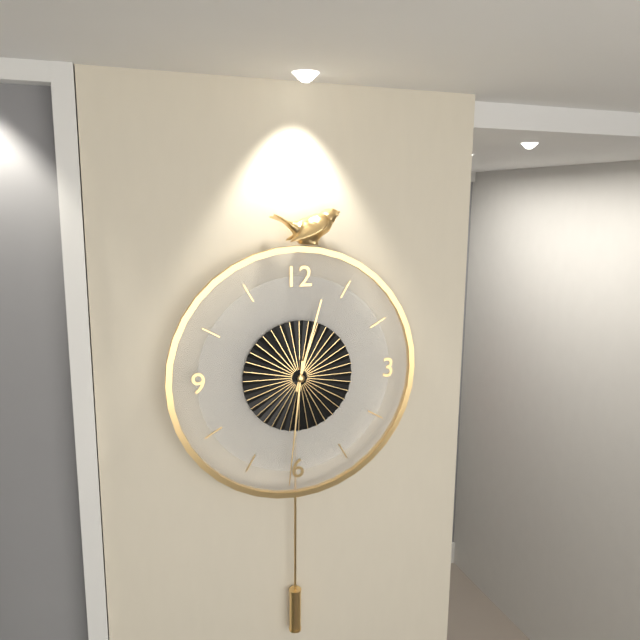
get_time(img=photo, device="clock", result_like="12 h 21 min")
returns 12 h 31 min
